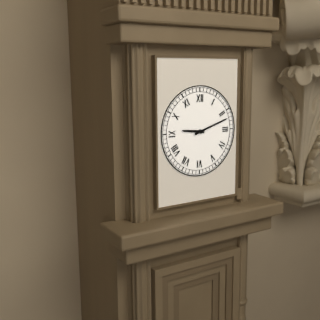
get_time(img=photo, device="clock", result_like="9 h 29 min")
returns 9 h 12 min
